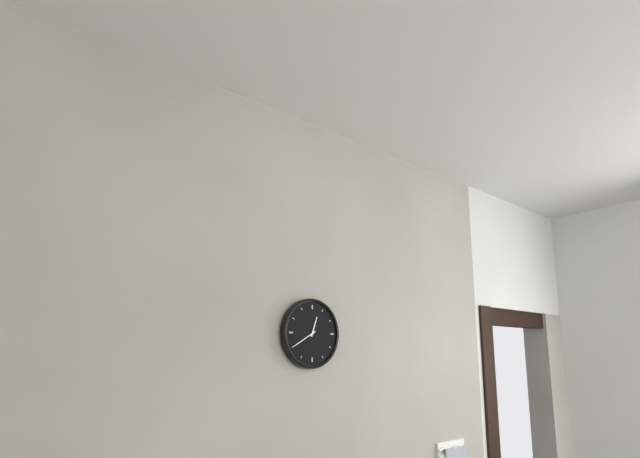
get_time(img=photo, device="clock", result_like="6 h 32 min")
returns 12 h 40 min
